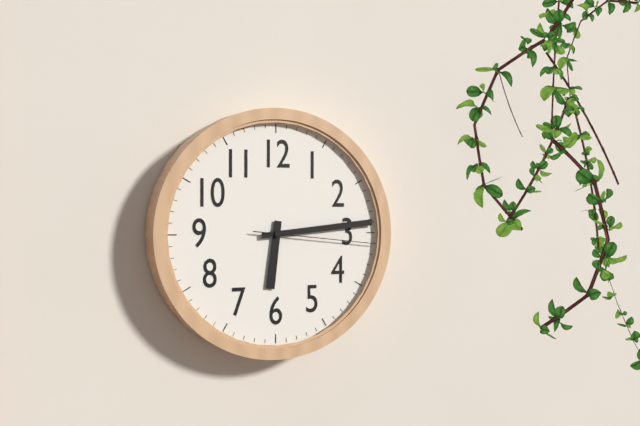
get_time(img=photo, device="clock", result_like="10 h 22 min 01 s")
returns 6 h 14 min 16 s
